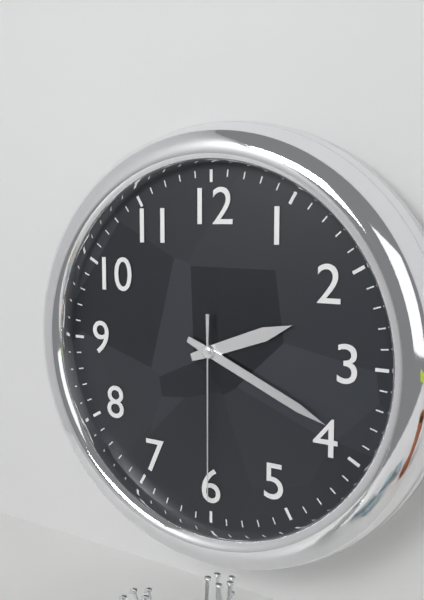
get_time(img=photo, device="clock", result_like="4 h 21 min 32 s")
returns 2 h 19 min 30 s
